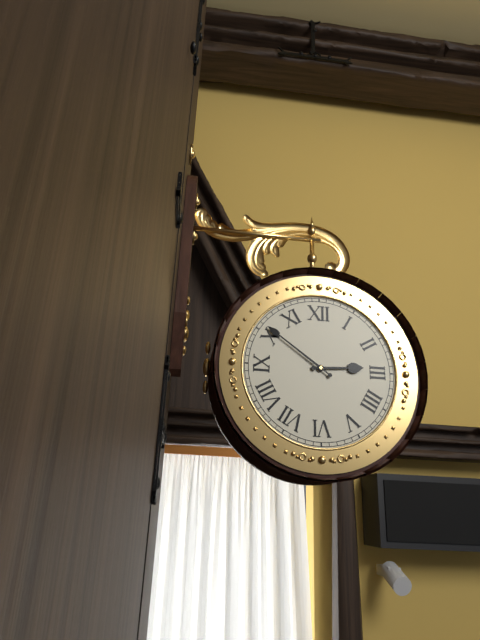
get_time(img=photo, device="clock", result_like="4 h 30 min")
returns 2 h 51 min
